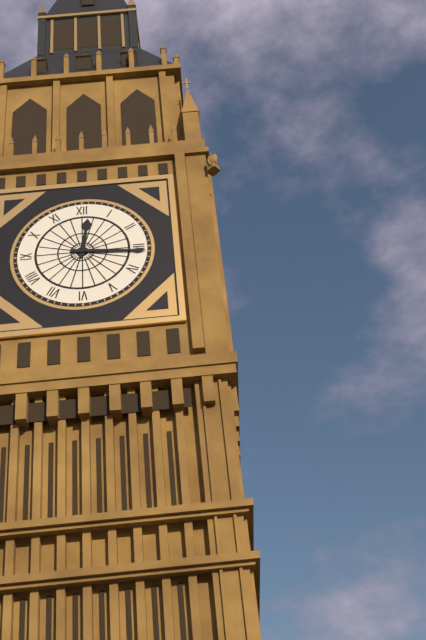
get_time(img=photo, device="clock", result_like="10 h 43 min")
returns 12 h 16 min
